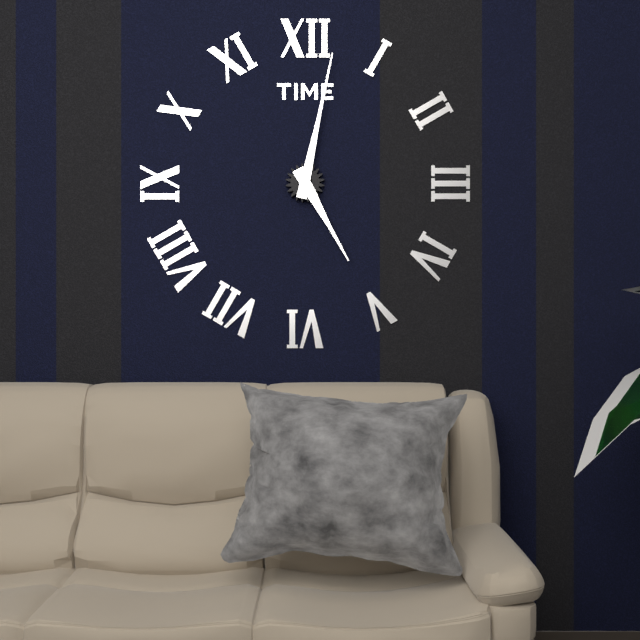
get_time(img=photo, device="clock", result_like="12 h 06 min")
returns 5 h 02 min
